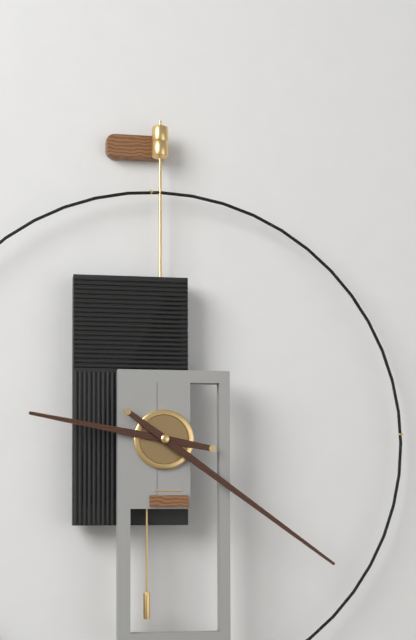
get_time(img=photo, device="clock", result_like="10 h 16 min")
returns 9 h 21 min
